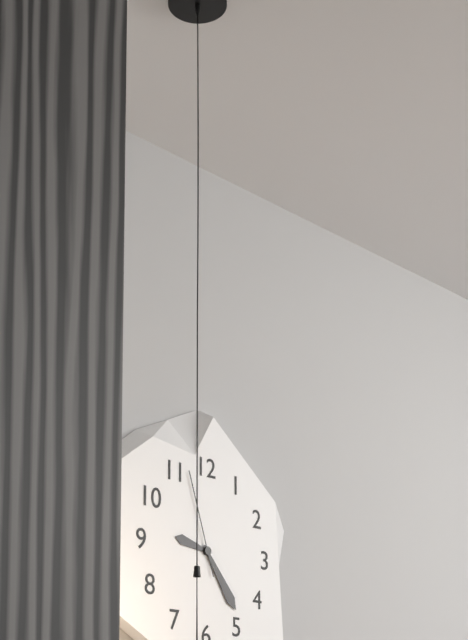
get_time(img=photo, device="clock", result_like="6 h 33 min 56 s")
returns 9 h 24 min 57 s
